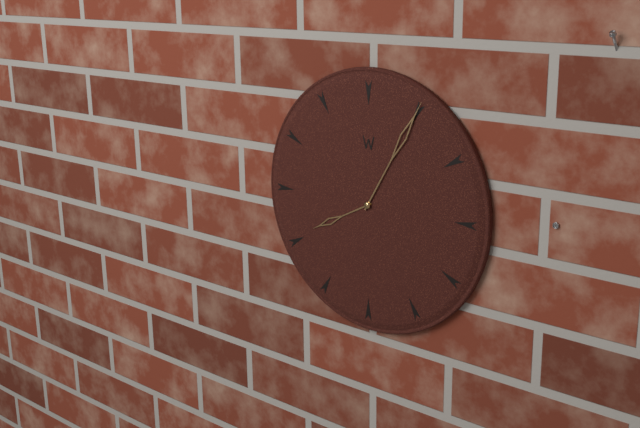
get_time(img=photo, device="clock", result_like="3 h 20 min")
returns 8 h 05 min
